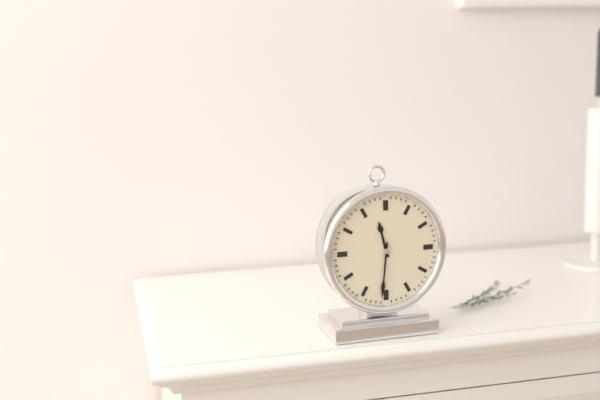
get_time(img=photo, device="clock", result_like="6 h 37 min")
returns 11 h 31 min
